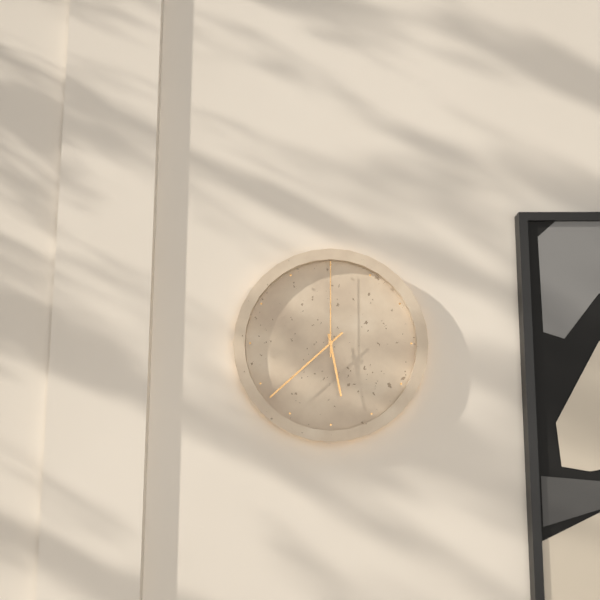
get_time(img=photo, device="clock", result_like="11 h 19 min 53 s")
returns 5 h 38 min 00 s
